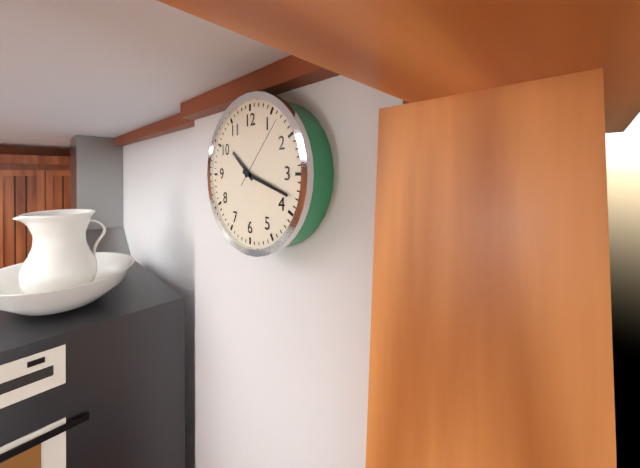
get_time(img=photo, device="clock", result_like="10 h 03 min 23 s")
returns 10 h 18 min 07 s
